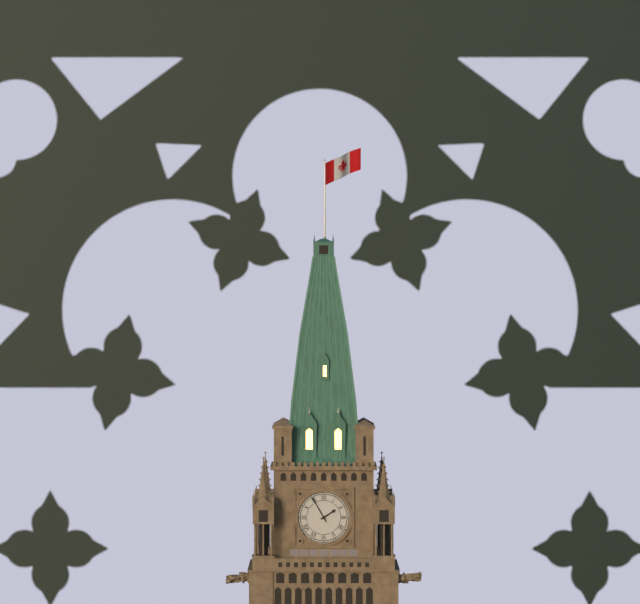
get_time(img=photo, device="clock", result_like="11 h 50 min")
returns 1 h 55 min
